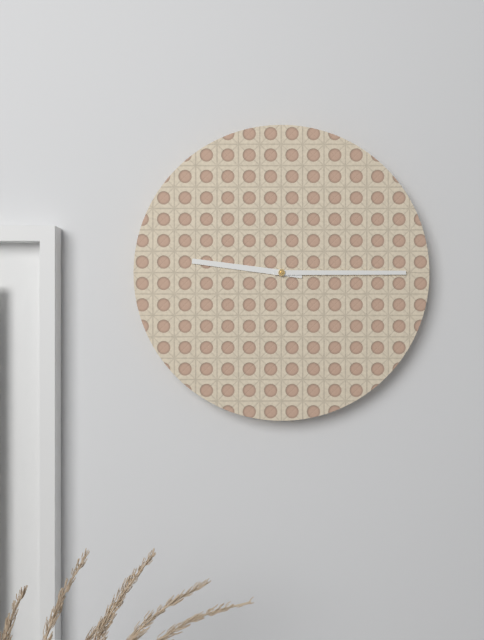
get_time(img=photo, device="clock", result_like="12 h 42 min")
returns 9 h 15 min
